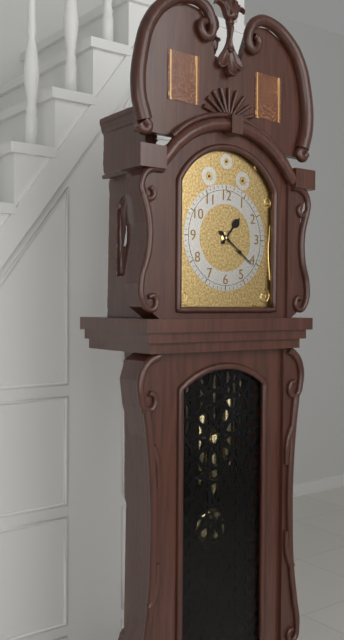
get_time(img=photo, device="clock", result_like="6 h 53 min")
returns 1 h 21 min
